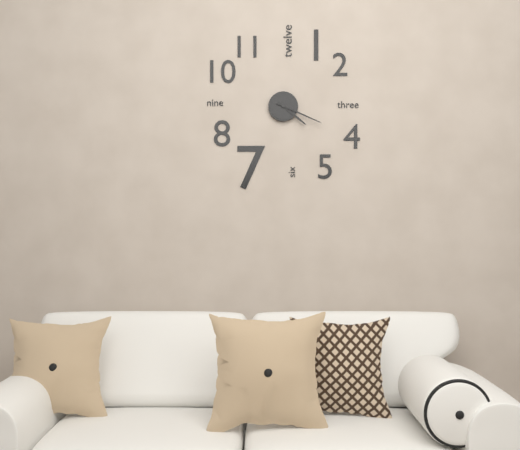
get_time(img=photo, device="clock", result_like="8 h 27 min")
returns 4 h 19 min
